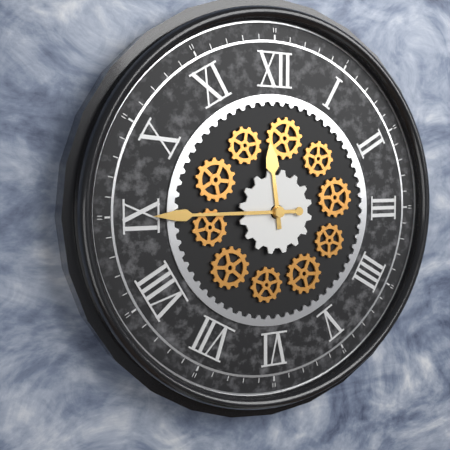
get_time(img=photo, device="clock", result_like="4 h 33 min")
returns 11 h 45 min
